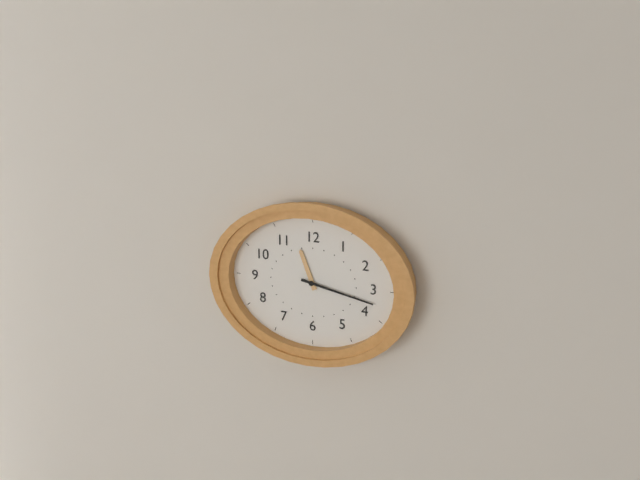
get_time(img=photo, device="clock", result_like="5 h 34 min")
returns 11 h 17 min
